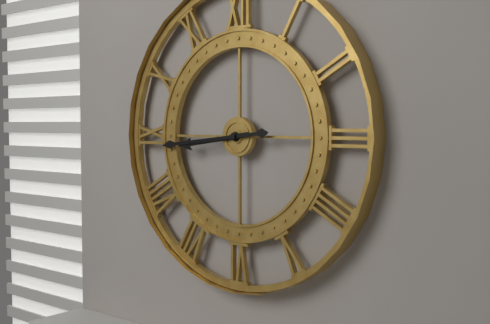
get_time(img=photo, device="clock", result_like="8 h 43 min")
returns 8 h 44 min
